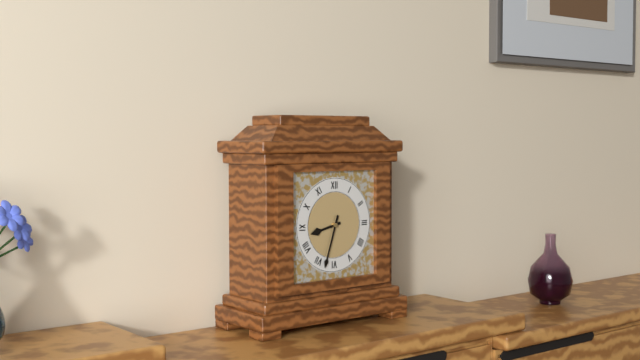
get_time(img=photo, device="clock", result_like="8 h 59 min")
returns 8 h 33 min
